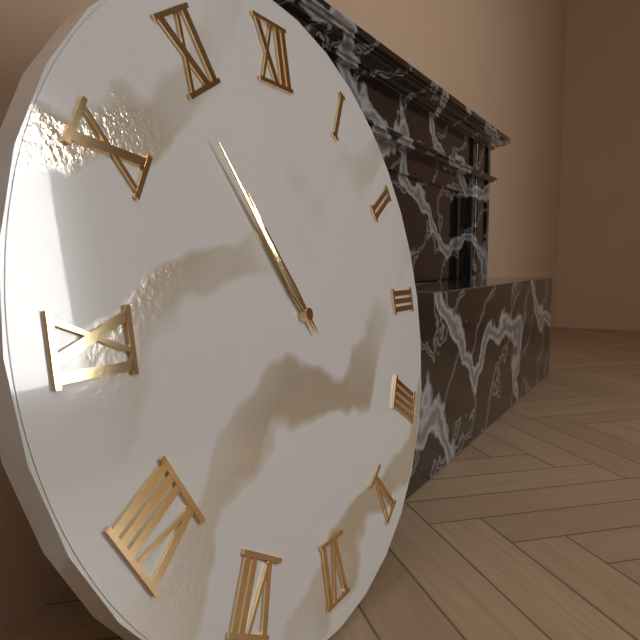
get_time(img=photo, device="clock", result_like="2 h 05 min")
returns 10 h 54 min
